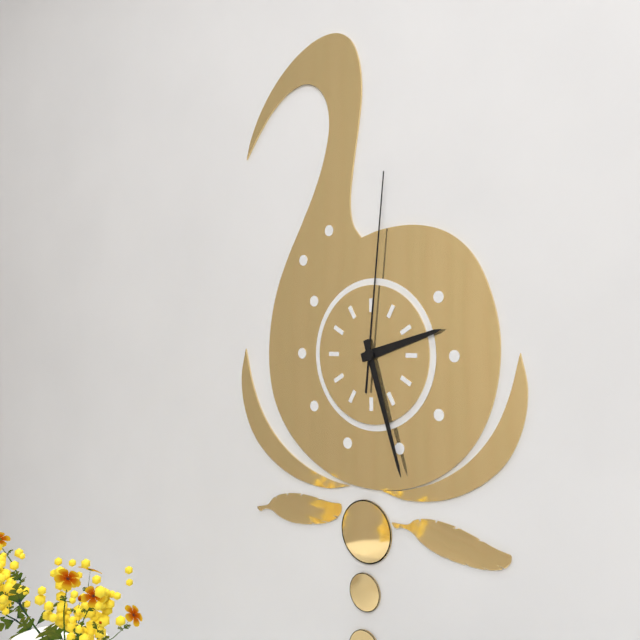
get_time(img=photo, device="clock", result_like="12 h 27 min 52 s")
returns 2 h 27 min 01 s
